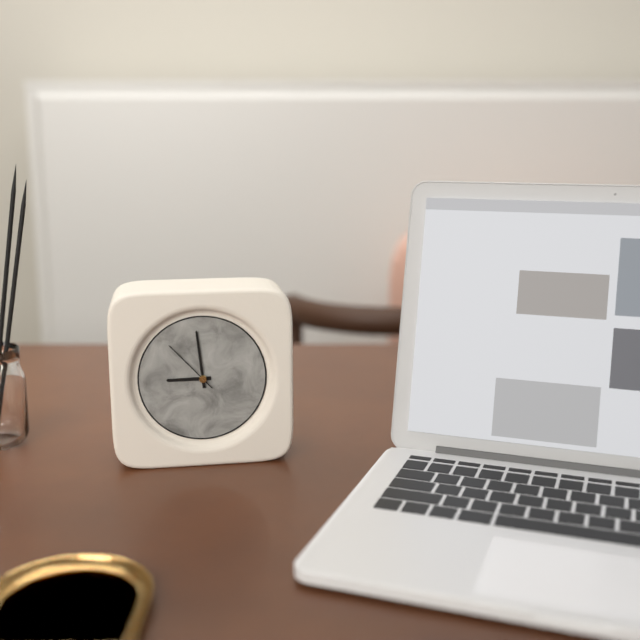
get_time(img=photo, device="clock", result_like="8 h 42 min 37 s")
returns 8 h 59 min 53 s
